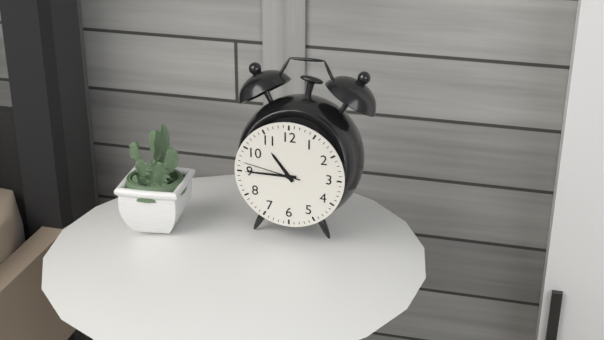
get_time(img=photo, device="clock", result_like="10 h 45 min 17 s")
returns 10 h 45 min 47 s
